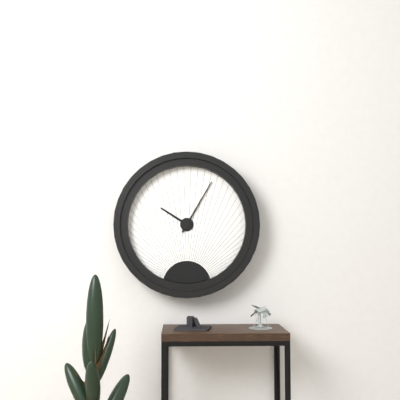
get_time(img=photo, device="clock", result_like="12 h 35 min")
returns 10 h 05 min
